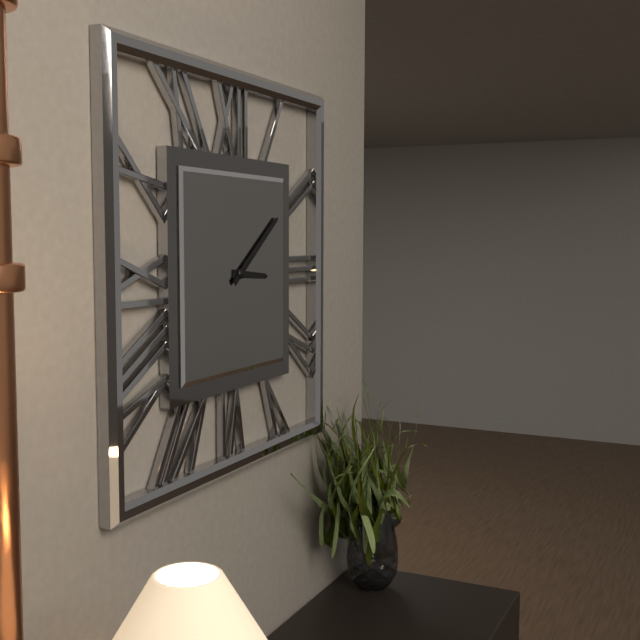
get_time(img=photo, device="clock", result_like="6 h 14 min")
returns 3 h 09 min
